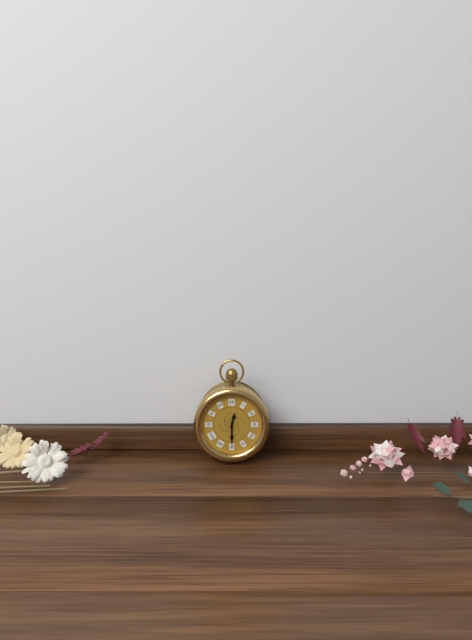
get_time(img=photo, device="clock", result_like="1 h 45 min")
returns 12 h 30 min
